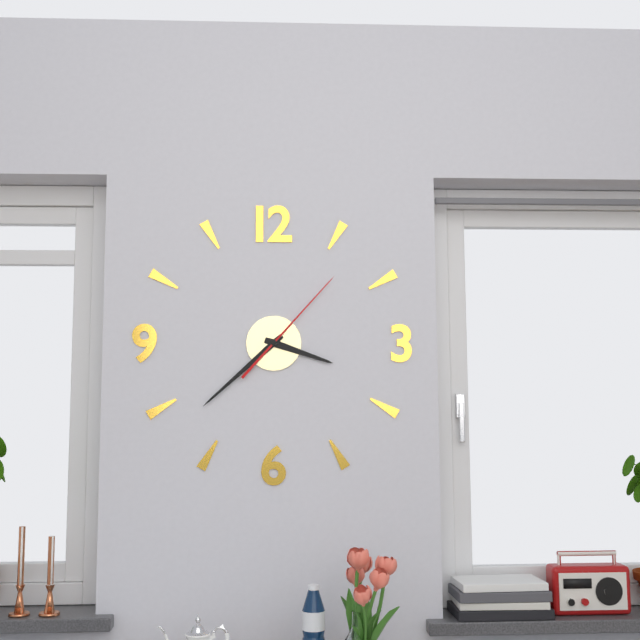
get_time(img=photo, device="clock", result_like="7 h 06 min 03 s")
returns 3 h 38 min 07 s
